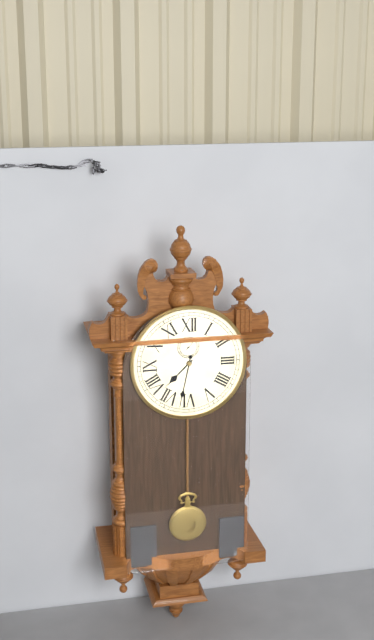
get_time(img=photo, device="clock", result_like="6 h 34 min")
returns 7 h 32 min
